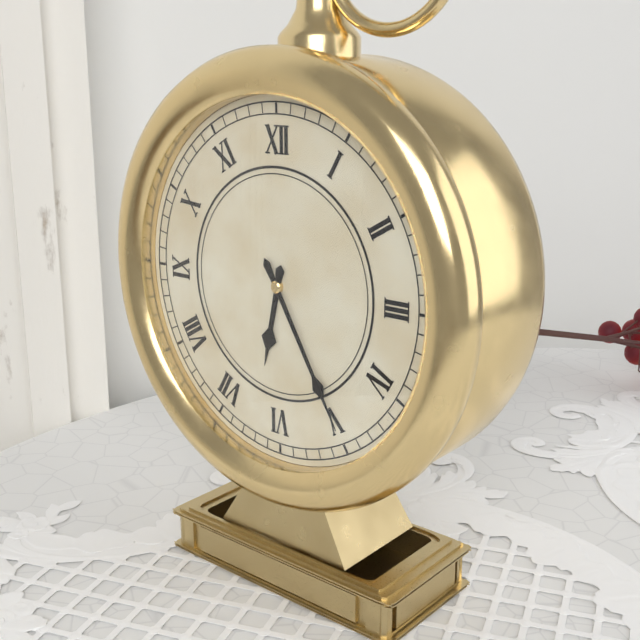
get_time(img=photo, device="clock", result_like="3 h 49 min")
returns 6 h 25 min
